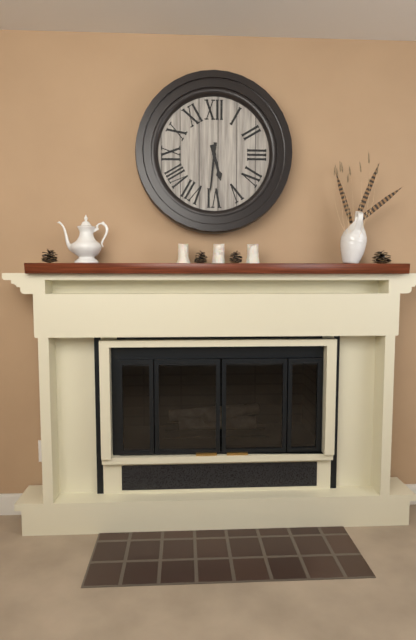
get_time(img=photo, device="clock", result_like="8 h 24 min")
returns 5 h 31 min
